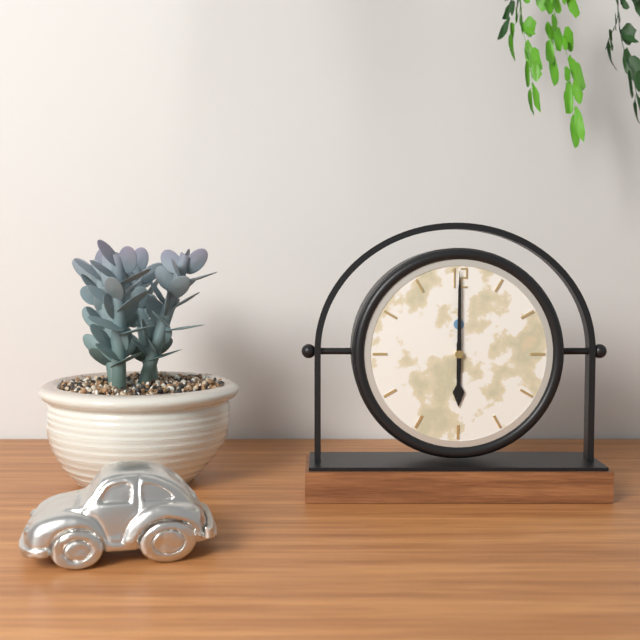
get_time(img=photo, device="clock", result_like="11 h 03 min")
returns 6 h 00 min
